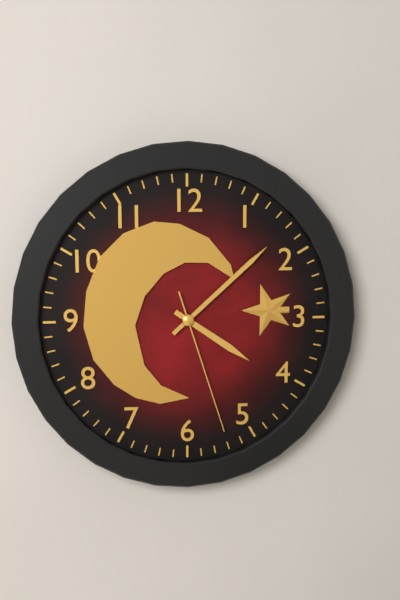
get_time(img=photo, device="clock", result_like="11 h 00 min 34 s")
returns 4 h 08 min 27 s
